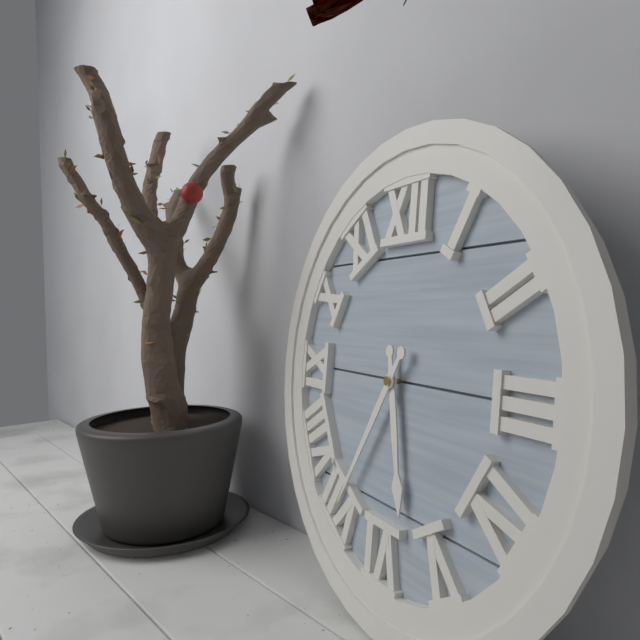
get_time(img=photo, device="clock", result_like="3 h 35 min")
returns 5 h 35 min
